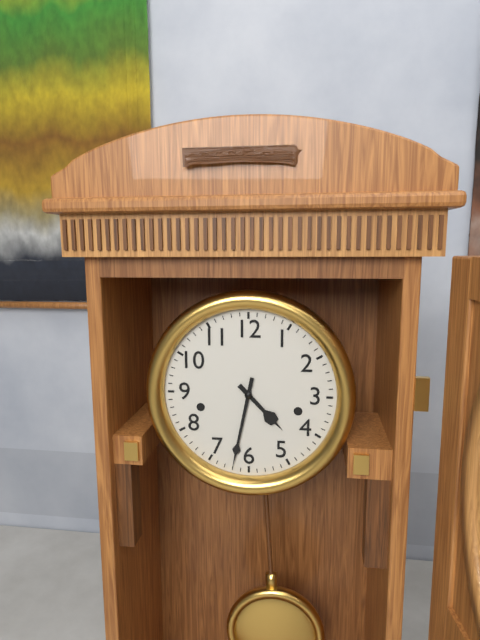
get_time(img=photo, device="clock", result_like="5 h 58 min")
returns 4 h 32 min
